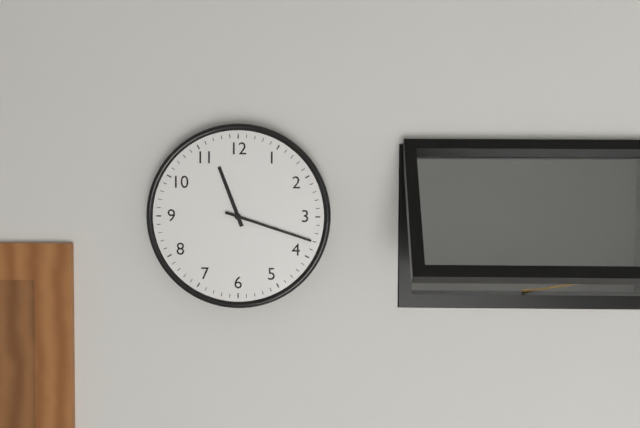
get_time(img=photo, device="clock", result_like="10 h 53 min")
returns 11 h 18 min
